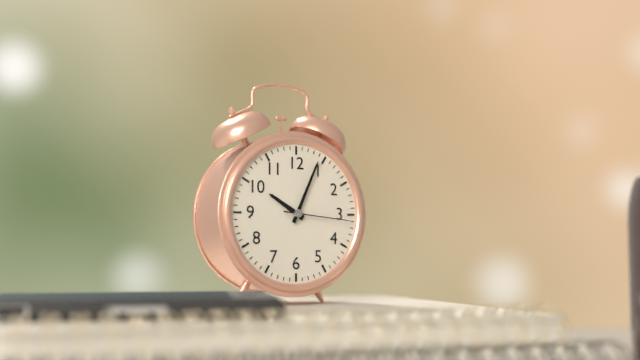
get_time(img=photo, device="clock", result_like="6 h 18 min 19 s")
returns 10 h 04 min 16 s
